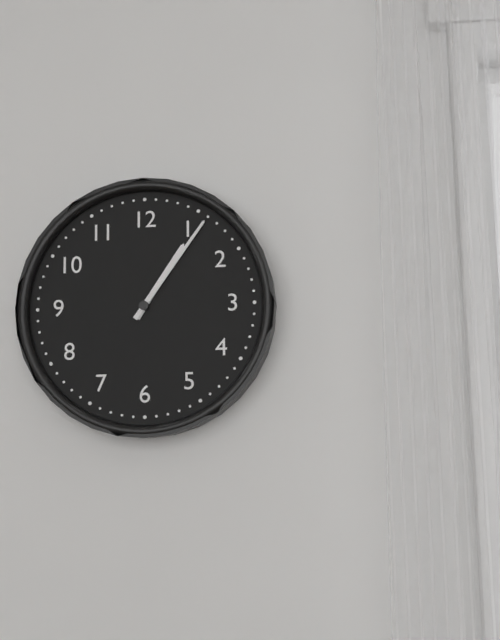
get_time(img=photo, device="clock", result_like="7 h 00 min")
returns 1 h 06 min
